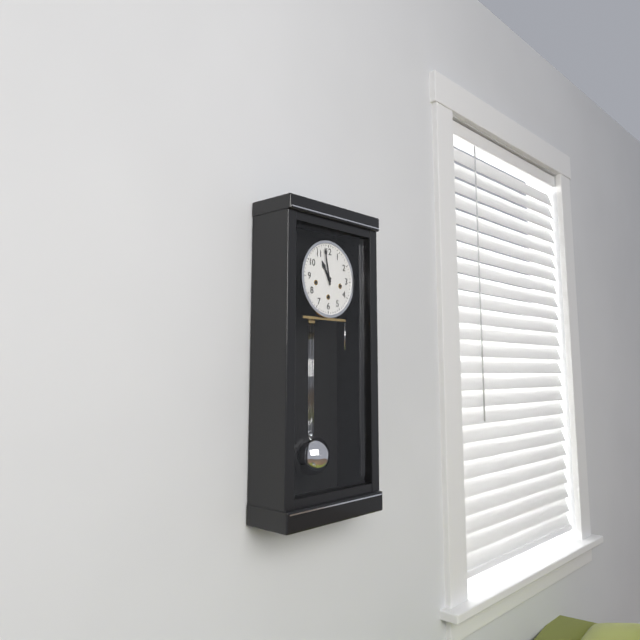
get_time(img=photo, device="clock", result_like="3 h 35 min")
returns 10 h 58 min
